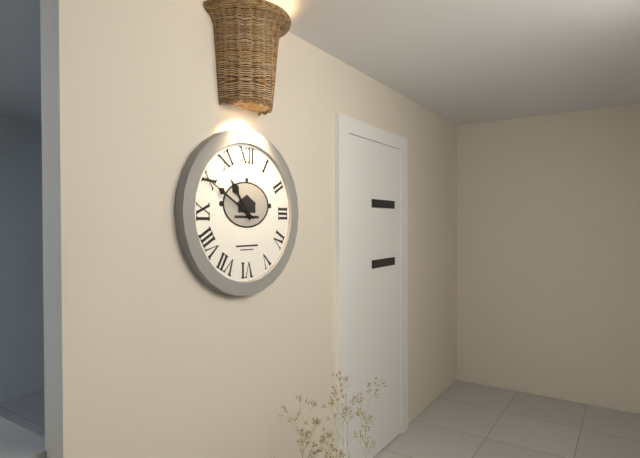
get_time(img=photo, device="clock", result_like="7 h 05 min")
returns 10 h 50 min
